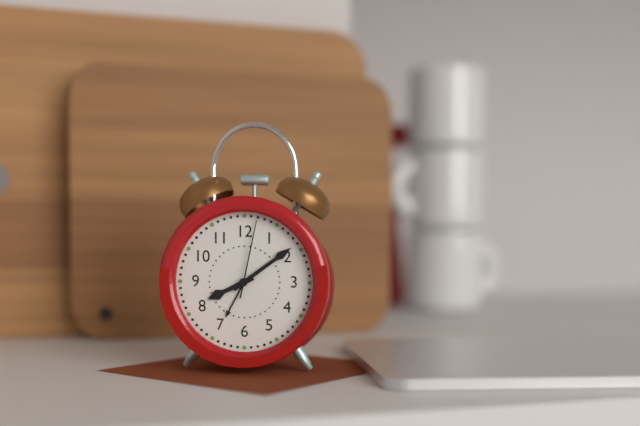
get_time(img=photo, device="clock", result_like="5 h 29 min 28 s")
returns 8 h 09 min 02 s
